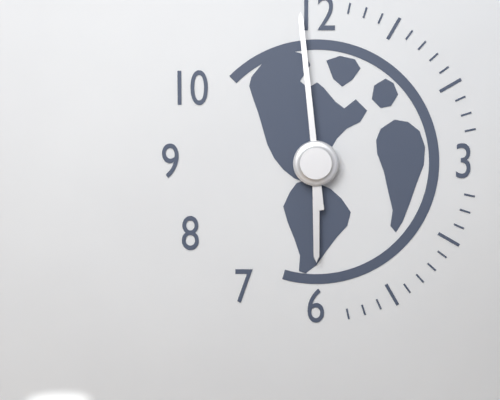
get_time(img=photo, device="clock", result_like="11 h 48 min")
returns 5 h 59 min
